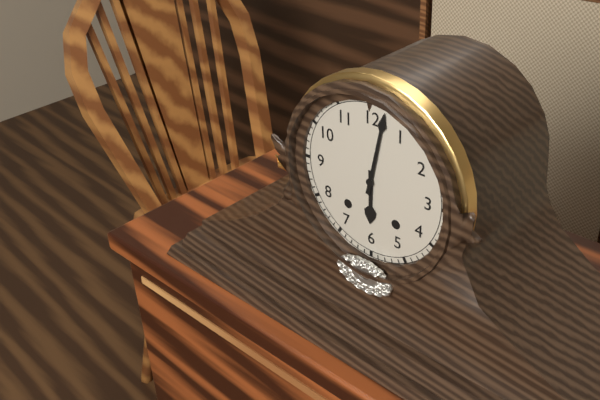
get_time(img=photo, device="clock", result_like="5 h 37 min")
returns 6 h 02 min
